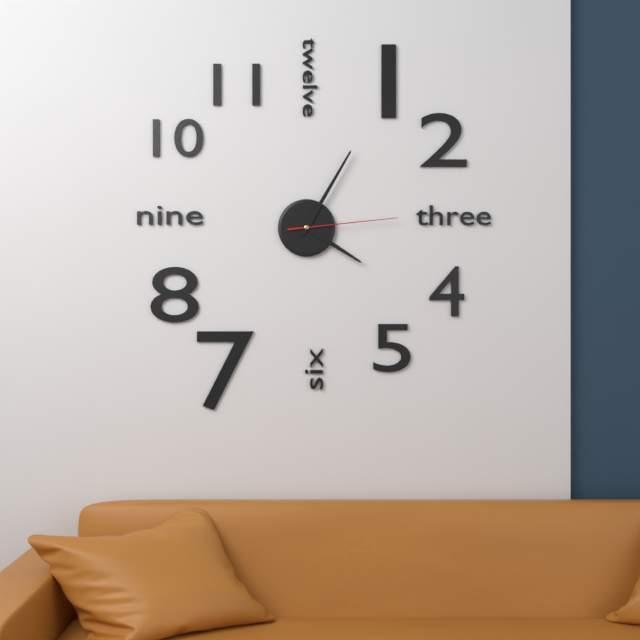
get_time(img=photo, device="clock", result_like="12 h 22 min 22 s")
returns 4 h 05 min 14 s
